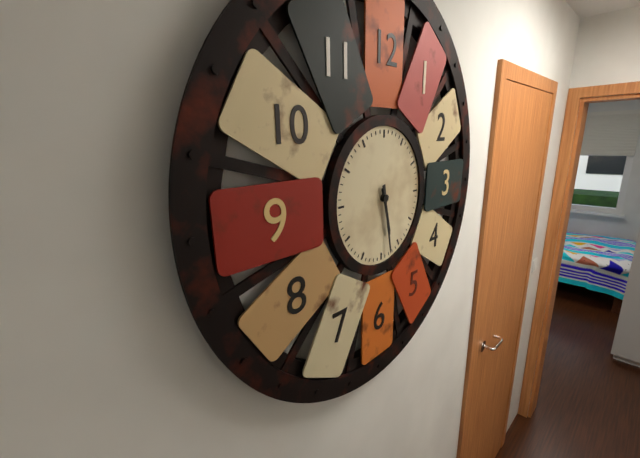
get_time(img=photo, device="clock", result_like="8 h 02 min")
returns 5 h 28 min
